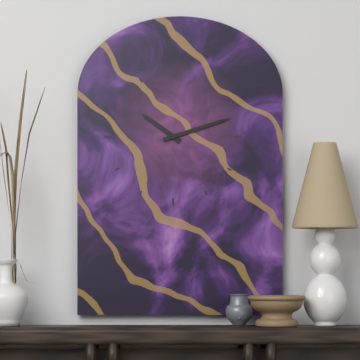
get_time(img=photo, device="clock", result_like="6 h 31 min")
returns 10 h 12 min
